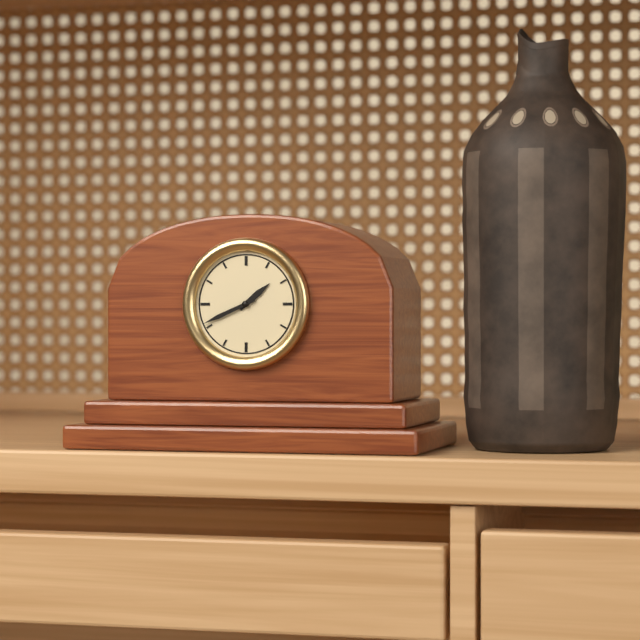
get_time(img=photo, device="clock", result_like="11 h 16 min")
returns 1 h 41 min
